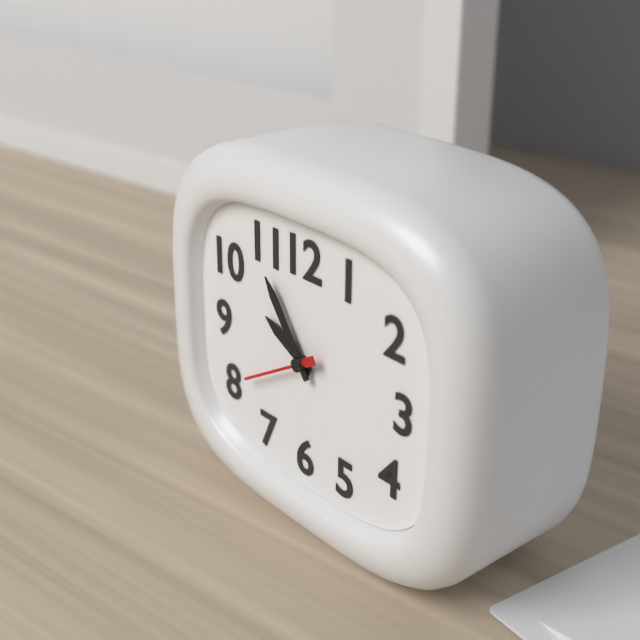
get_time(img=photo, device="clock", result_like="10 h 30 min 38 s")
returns 9 h 54 min 40 s
